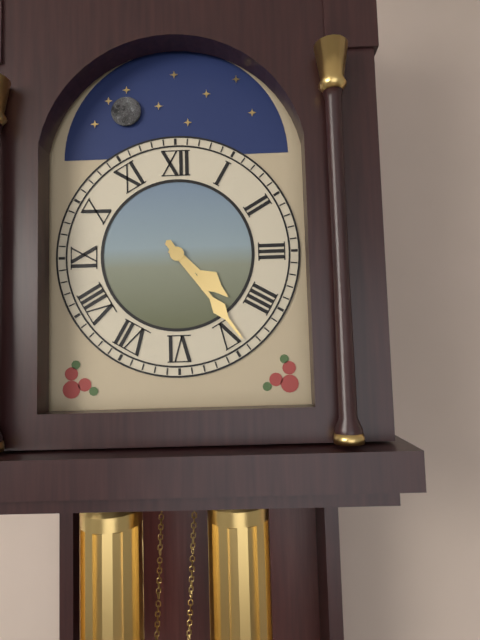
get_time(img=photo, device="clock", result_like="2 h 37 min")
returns 4 h 24 min
